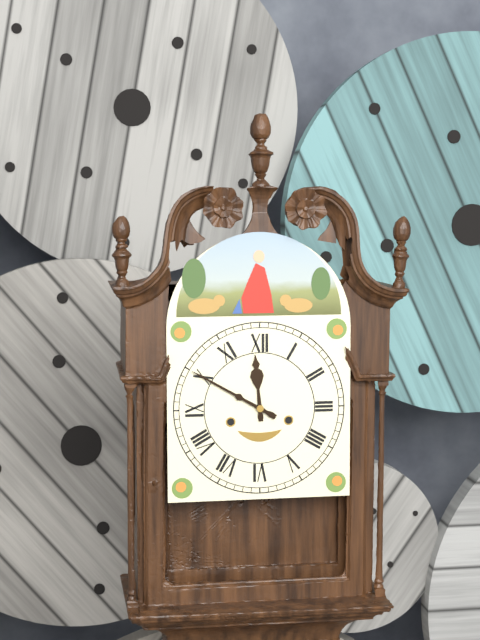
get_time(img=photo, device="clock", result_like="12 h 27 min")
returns 11 h 50 min
